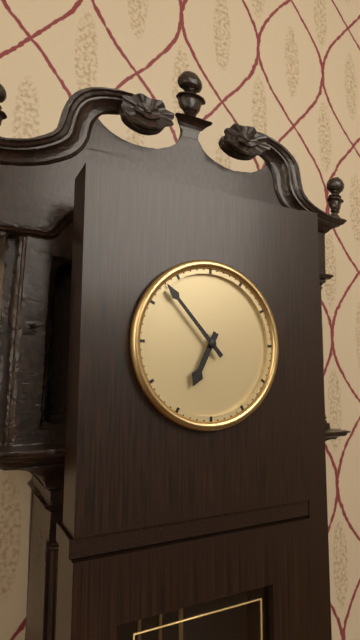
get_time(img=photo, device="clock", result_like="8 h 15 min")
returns 6 h 53 min
